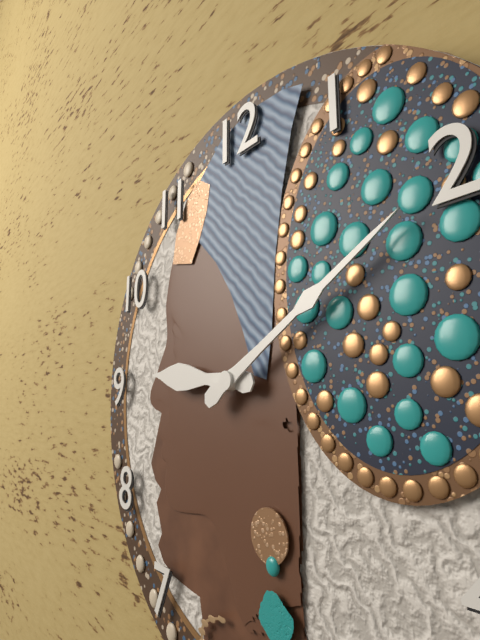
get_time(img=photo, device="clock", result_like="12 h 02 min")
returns 9 h 10 min
